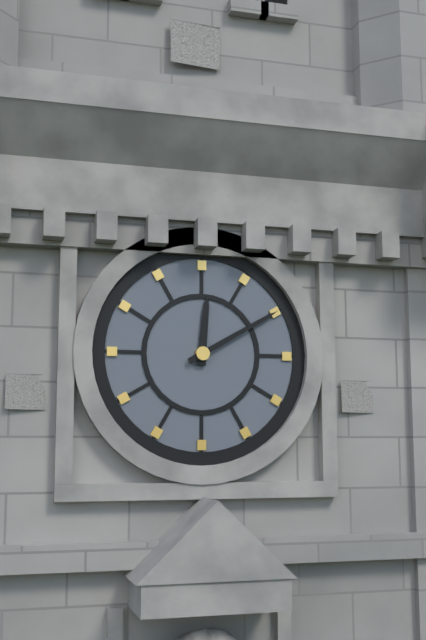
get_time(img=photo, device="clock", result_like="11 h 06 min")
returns 12 h 10 min
